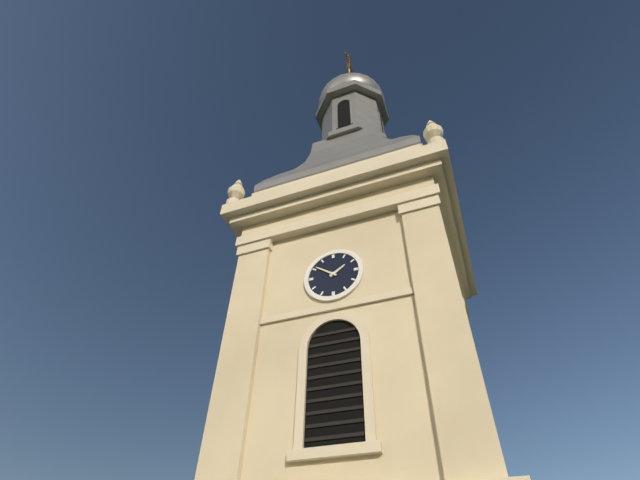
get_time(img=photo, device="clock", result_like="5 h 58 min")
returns 1 h 51 min
